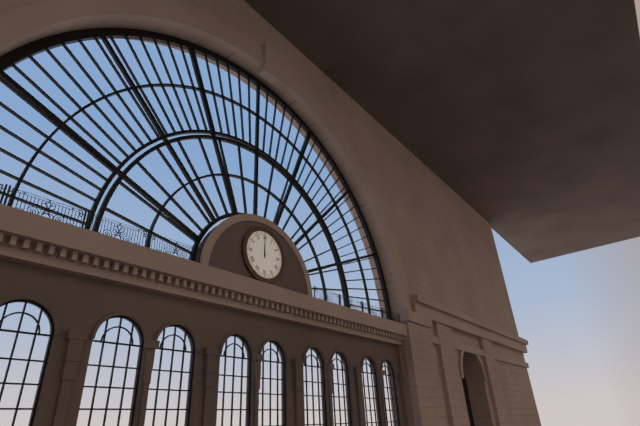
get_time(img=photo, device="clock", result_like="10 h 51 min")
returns 12 h 00 min
